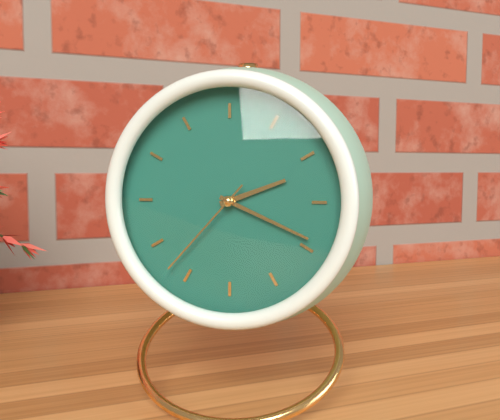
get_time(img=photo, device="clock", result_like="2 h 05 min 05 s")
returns 2 h 19 min 37 s
